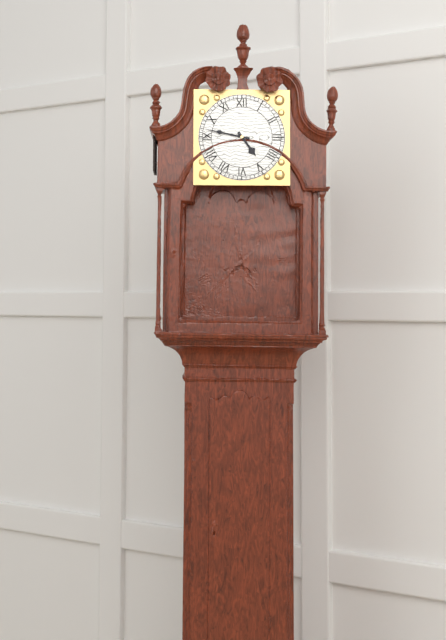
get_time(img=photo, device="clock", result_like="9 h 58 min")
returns 4 h 47 min
